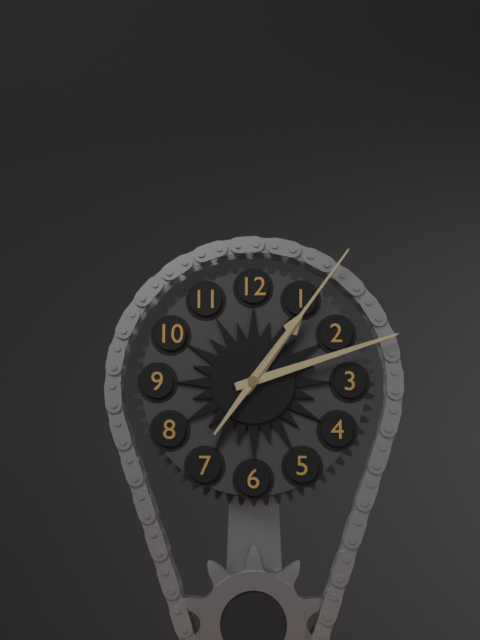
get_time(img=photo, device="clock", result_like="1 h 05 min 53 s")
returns 1 h 12 min 06 s
